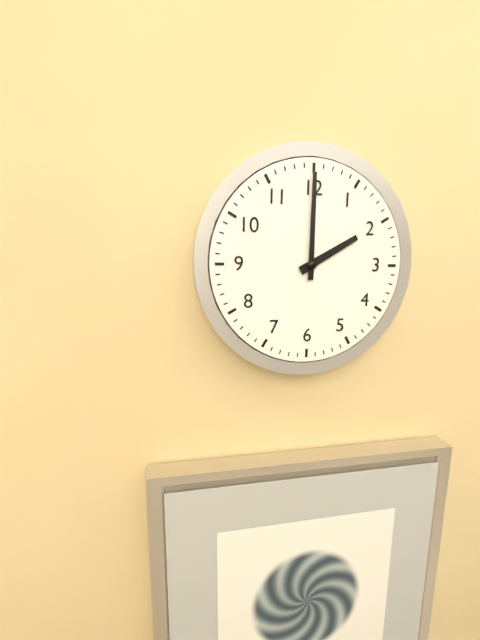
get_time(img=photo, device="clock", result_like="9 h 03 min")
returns 2 h 00 min
